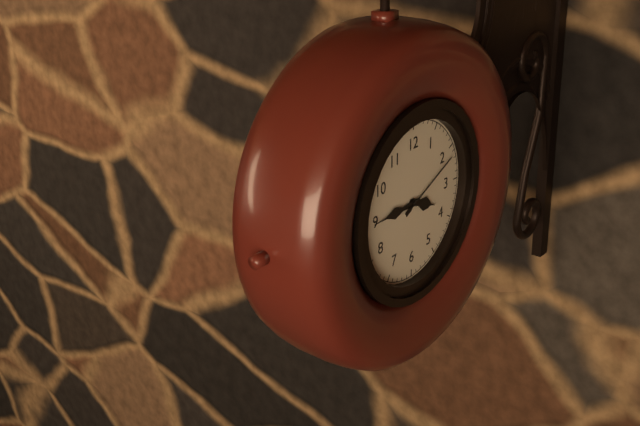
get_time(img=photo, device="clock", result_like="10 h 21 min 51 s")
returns 3 h 45 min 11 s
